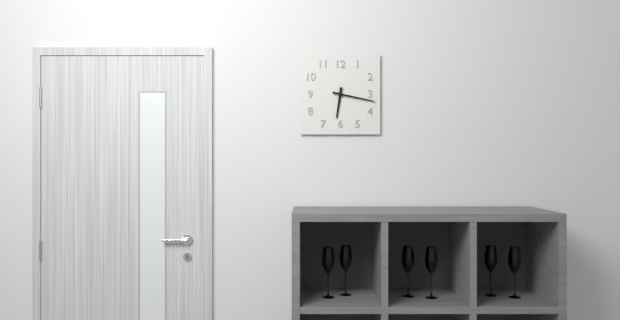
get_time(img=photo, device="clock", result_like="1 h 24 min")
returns 6 h 17 min
